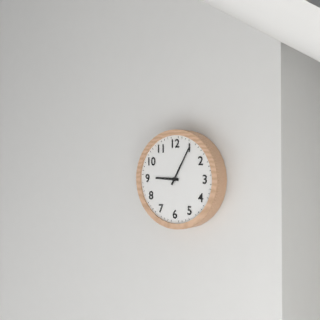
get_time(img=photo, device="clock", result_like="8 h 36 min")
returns 9 h 05 min
